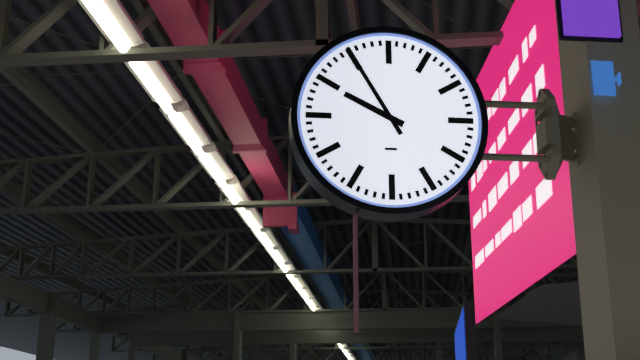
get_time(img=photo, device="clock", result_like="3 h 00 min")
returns 9 h 55 min
